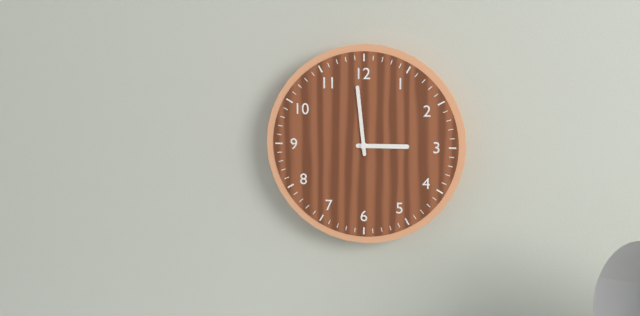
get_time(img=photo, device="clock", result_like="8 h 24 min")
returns 2 h 59 min
